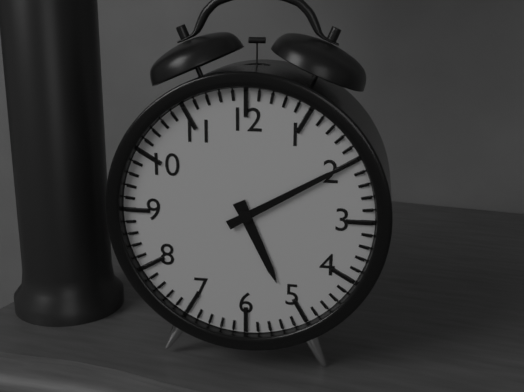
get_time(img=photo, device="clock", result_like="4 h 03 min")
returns 5 h 10 min
